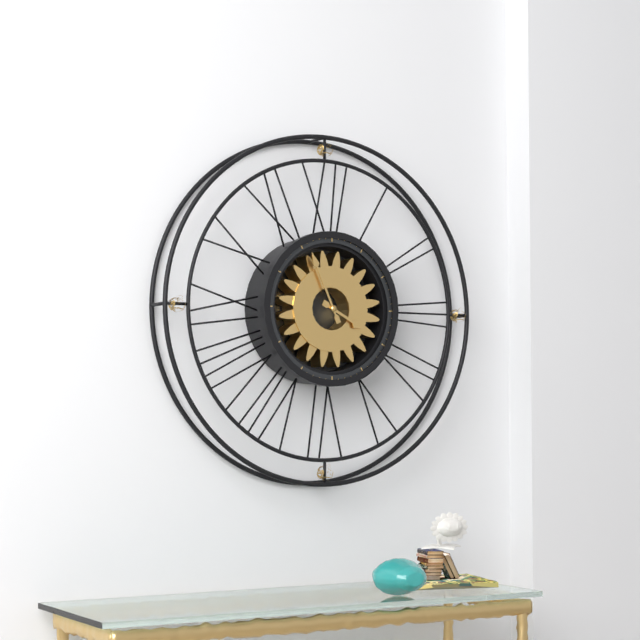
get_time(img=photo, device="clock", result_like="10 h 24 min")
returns 3 h 56 min
